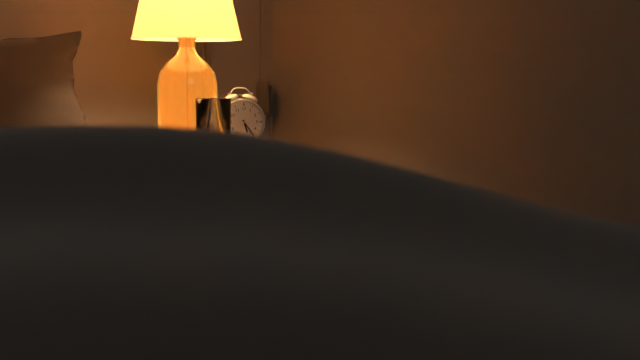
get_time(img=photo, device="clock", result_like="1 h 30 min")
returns 5 h 24 min
